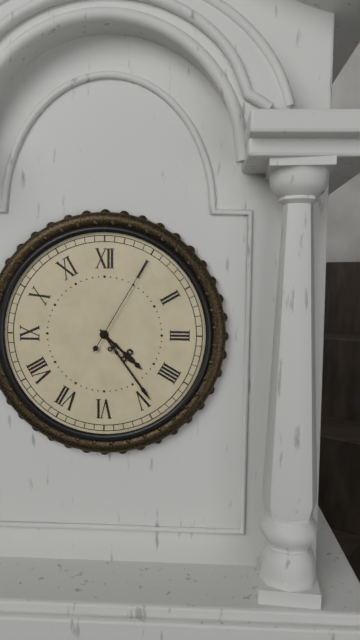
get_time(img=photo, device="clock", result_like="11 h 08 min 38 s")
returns 4 h 24 min 05 s
